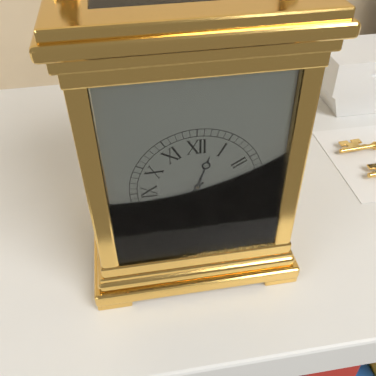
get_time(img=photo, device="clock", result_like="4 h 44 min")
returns 12 h 38 min
